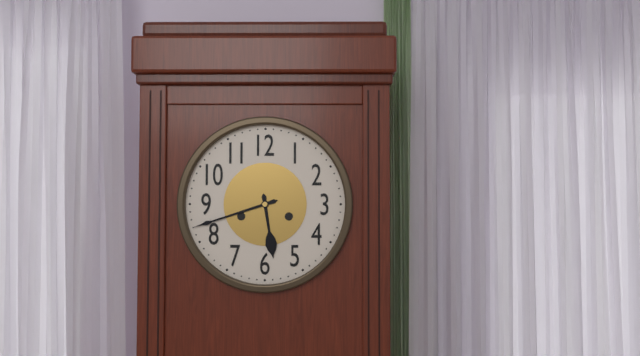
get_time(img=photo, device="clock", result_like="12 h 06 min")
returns 5 h 42 min
